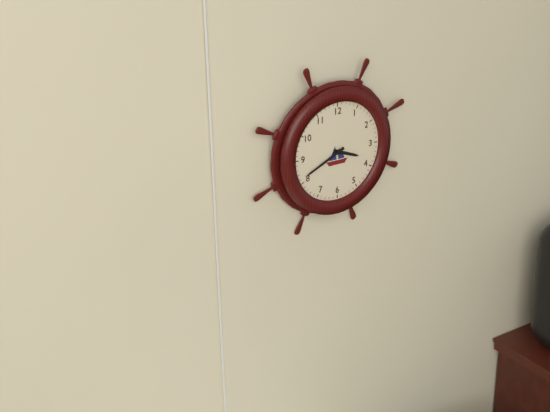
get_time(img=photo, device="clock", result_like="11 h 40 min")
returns 3 h 41 min
